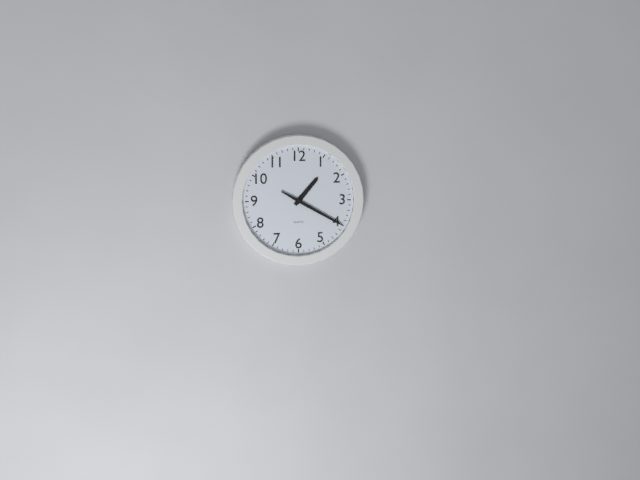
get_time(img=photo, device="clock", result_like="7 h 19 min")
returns 1 h 20 min
